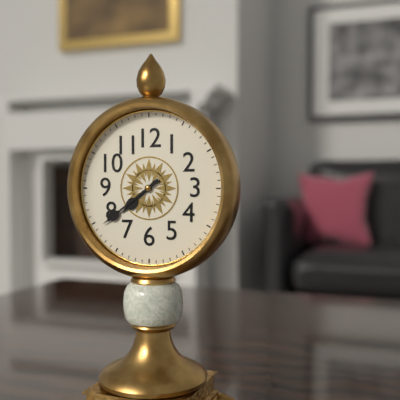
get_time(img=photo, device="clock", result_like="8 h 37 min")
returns 7 h 39 min
